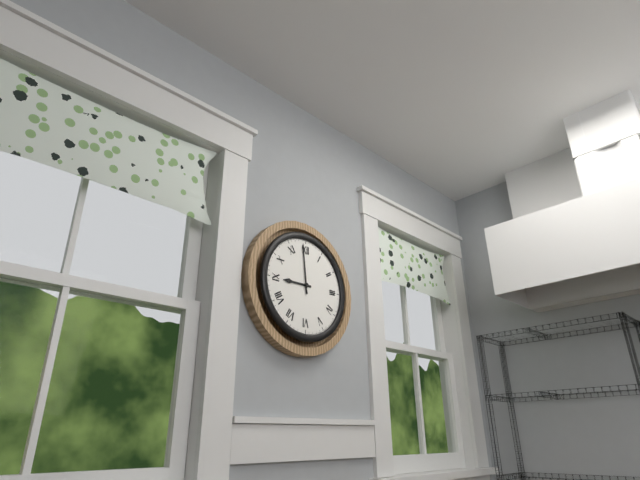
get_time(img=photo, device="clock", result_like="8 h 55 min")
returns 8 h 59 min
